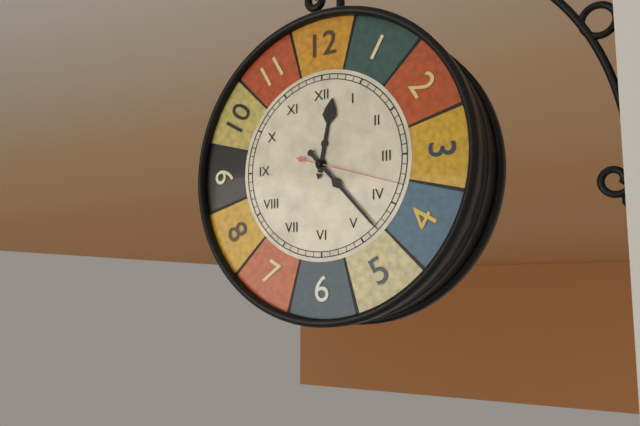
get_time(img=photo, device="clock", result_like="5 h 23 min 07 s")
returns 12 h 23 min 18 s
